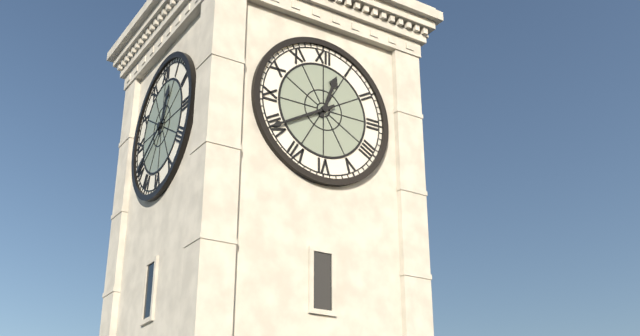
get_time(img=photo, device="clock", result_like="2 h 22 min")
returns 12 h 40 min
